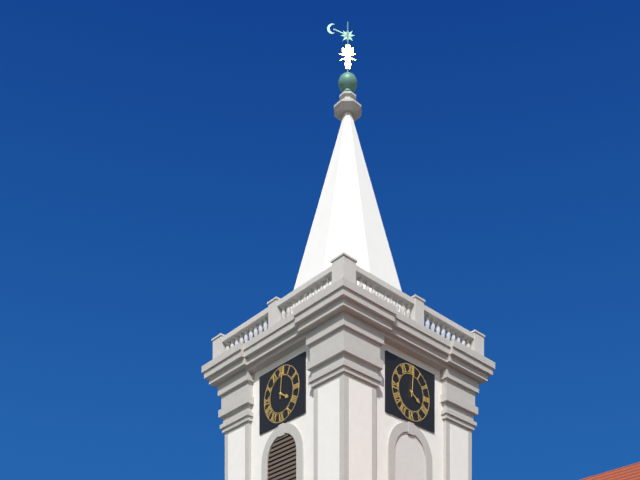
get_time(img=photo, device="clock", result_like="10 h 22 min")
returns 4 h 01 min
